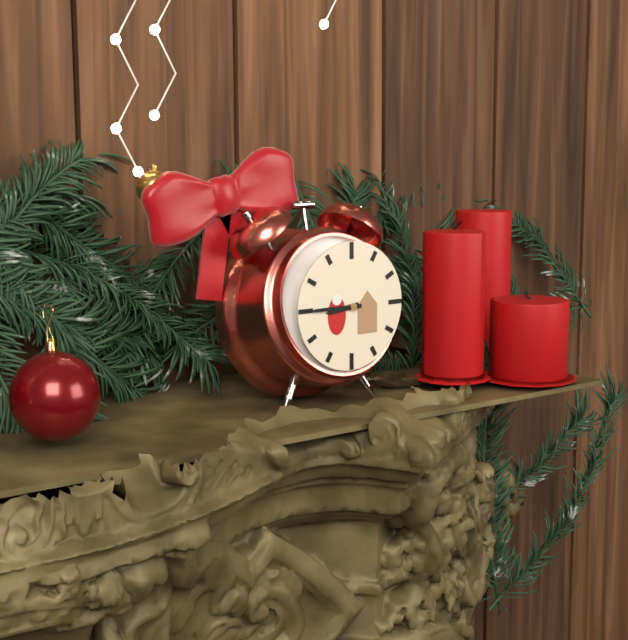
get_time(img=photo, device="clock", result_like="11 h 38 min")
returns 8 h 45 min
